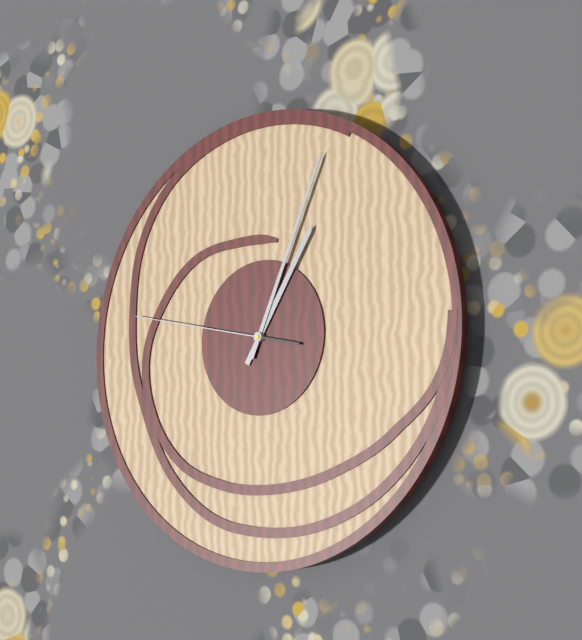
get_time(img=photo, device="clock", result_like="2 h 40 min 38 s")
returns 1 h 04 min 47 s
